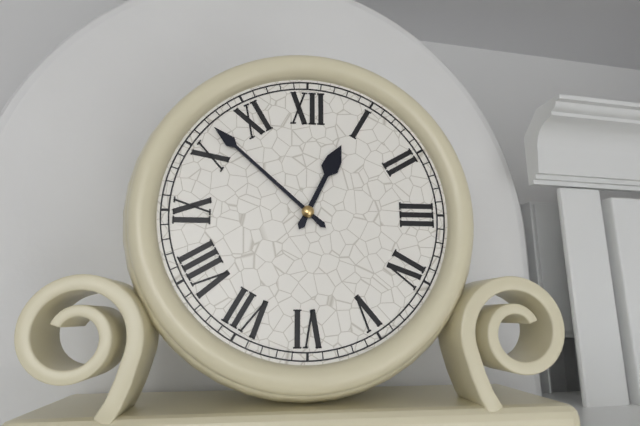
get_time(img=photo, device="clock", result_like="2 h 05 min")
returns 12 h 52 min
